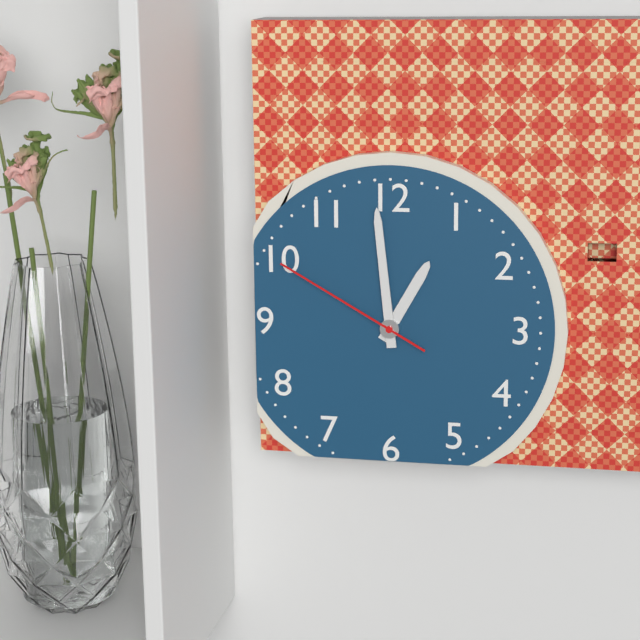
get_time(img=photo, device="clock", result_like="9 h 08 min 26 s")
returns 12 h 59 min 50 s
